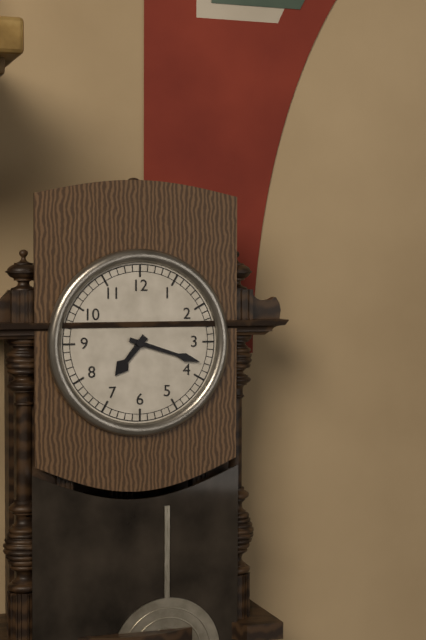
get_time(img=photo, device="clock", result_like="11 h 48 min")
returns 7 h 18 min
